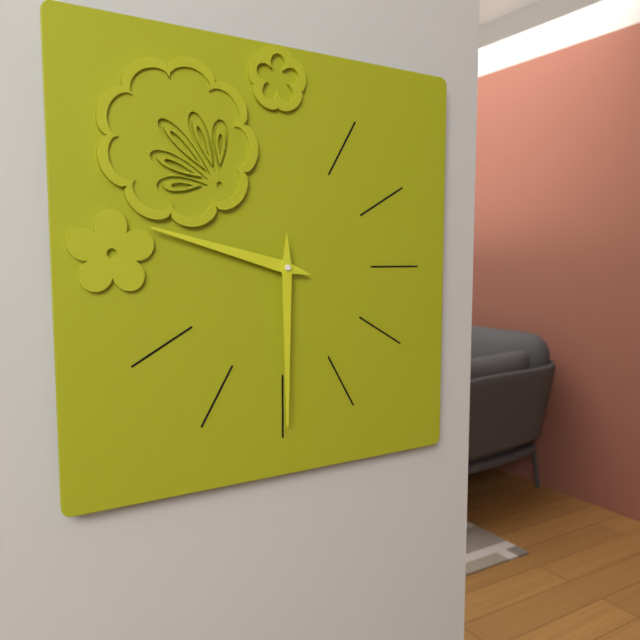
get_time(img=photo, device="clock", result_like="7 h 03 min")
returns 9 h 30 min
